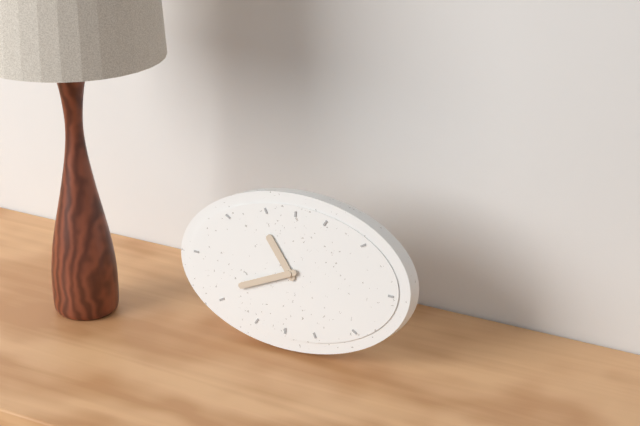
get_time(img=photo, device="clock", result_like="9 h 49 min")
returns 10 h 41 min
